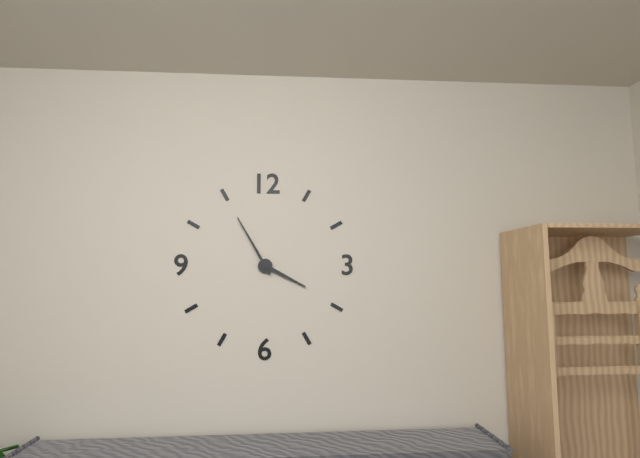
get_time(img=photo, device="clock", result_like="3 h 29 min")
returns 3 h 55 min
